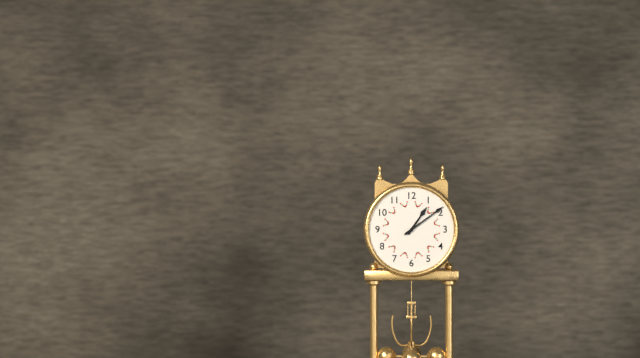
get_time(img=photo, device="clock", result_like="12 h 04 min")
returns 1 h 09 min
